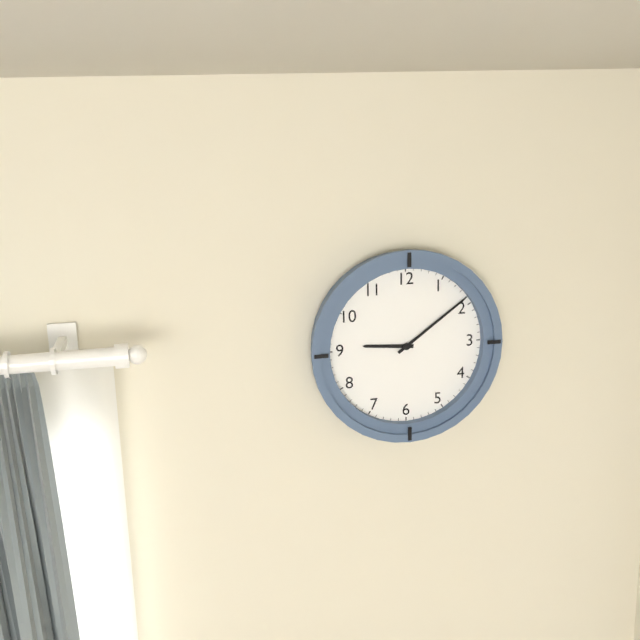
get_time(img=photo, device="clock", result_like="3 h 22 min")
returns 9 h 09 min
